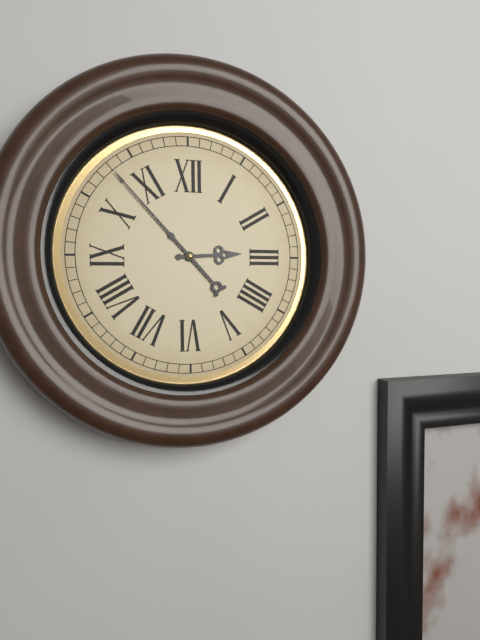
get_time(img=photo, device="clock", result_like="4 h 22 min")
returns 2 h 53 min
